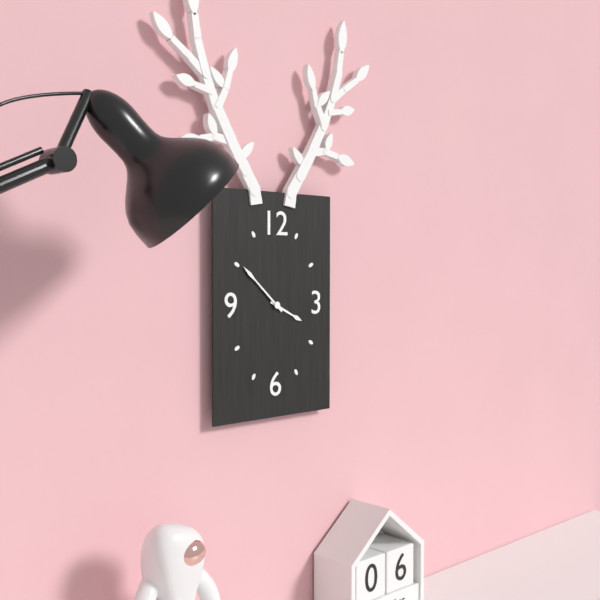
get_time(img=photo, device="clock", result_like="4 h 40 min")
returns 3 h 52 min
